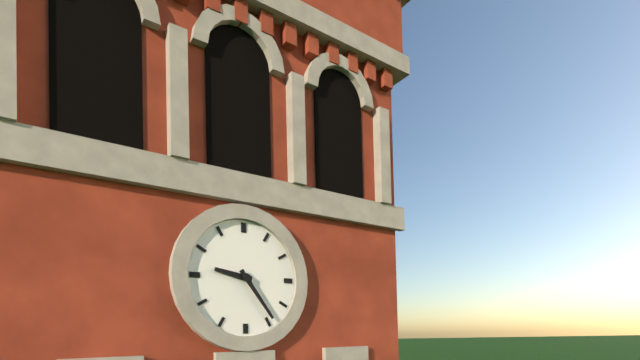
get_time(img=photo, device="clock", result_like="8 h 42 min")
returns 9 h 24 min
